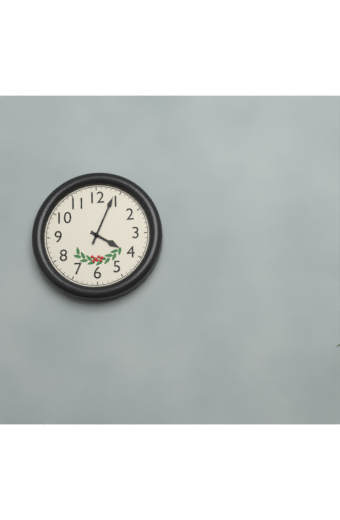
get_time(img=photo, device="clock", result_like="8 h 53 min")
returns 4 h 04 min
